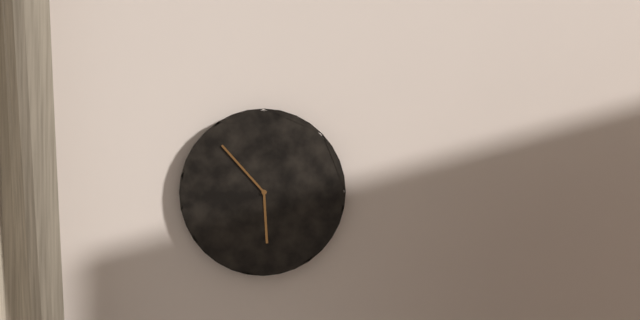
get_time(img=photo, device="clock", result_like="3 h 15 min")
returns 5 h 53 min
